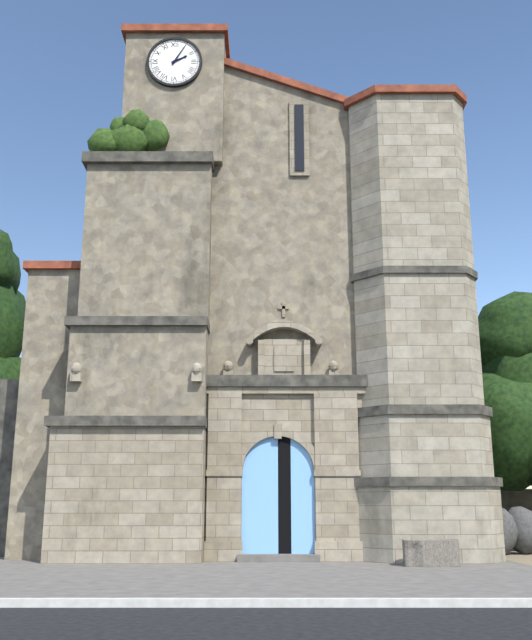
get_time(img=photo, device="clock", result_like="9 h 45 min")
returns 2 h 05 min
